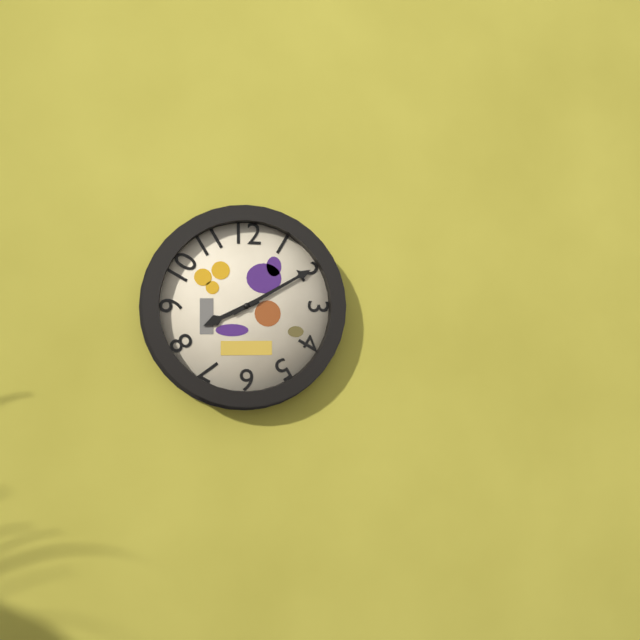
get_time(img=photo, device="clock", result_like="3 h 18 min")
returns 8 h 10 min
